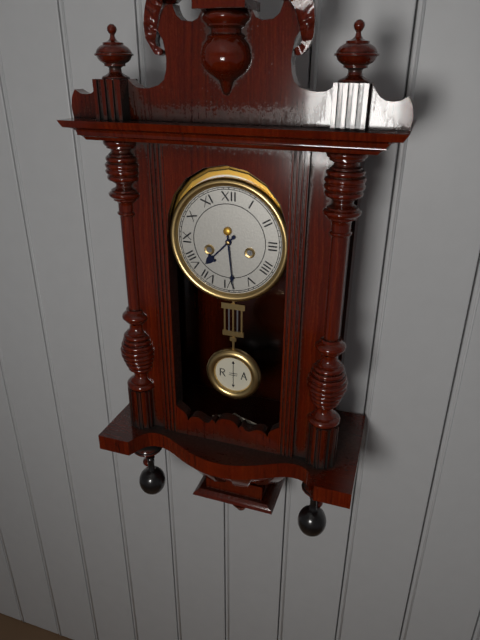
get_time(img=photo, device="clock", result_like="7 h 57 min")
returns 7 h 29 min
